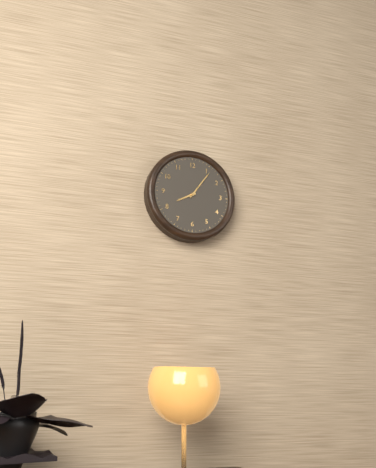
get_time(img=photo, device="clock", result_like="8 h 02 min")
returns 8 h 06 min
